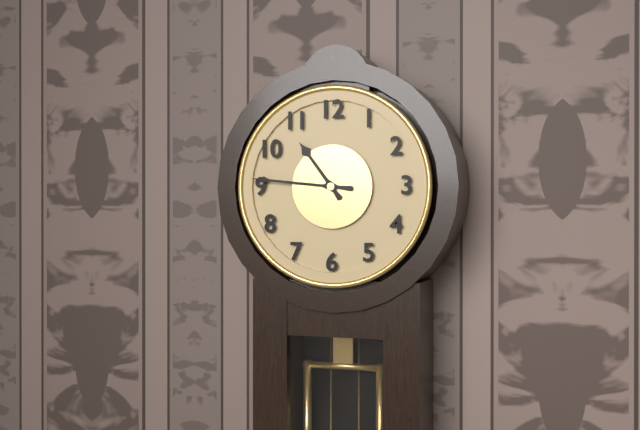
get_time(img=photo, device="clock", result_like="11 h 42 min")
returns 10 h 46 min
